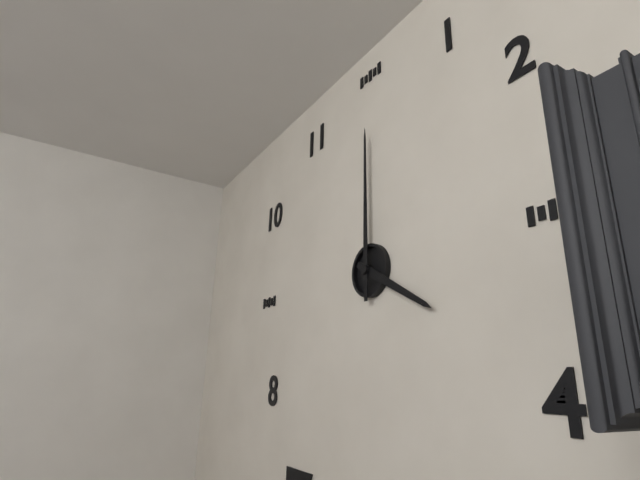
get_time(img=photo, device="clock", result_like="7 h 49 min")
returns 4 h 00 min
